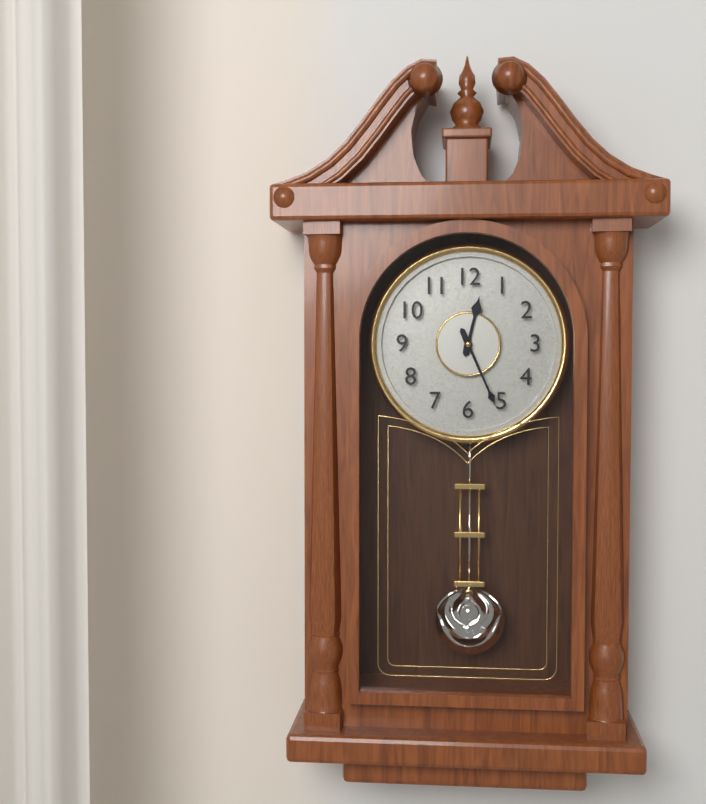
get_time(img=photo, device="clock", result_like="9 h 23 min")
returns 12 h 26 min
